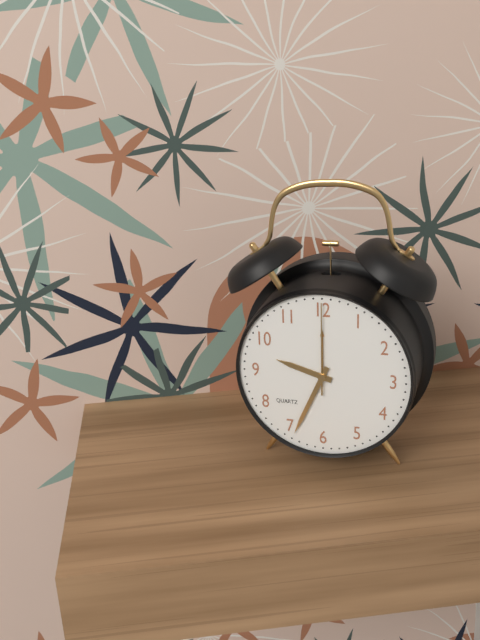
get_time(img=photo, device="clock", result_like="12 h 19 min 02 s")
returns 9 h 34 min 00 s
